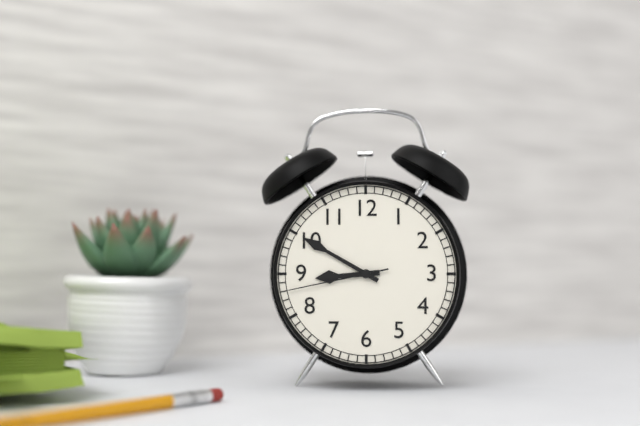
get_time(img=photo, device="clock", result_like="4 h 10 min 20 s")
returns 8 h 50 min 43 s
